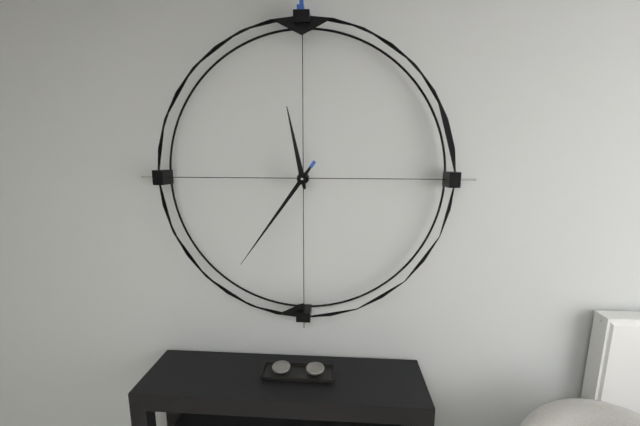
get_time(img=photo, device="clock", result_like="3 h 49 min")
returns 11 h 36 min
